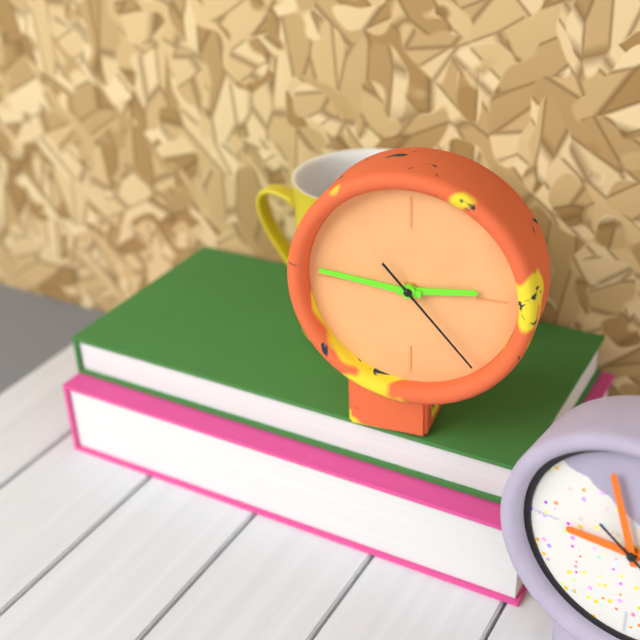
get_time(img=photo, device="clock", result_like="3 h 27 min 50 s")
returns 2 h 46 min 23 s
